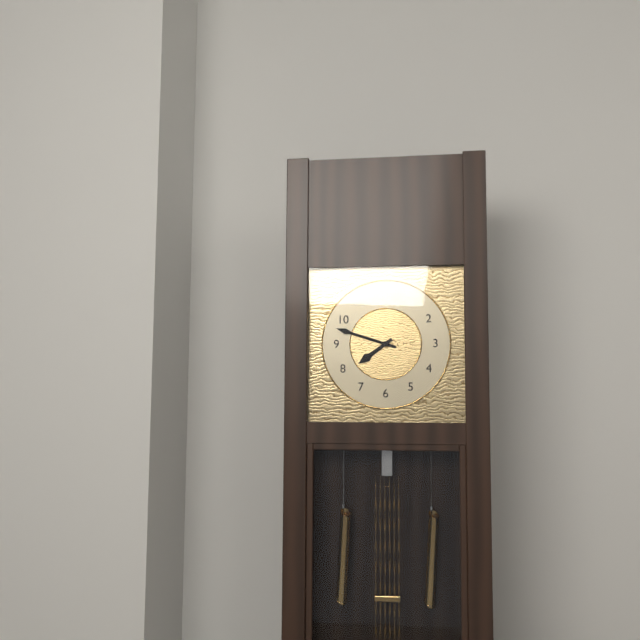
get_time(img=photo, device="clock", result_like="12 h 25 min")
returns 7 h 48 min
